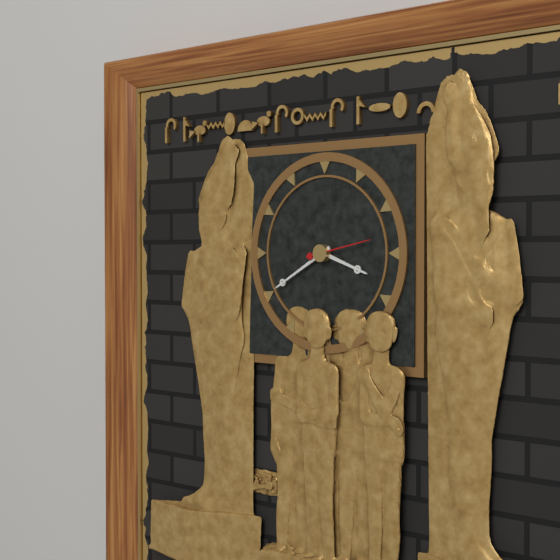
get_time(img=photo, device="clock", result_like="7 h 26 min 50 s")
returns 3 h 40 min 13 s
